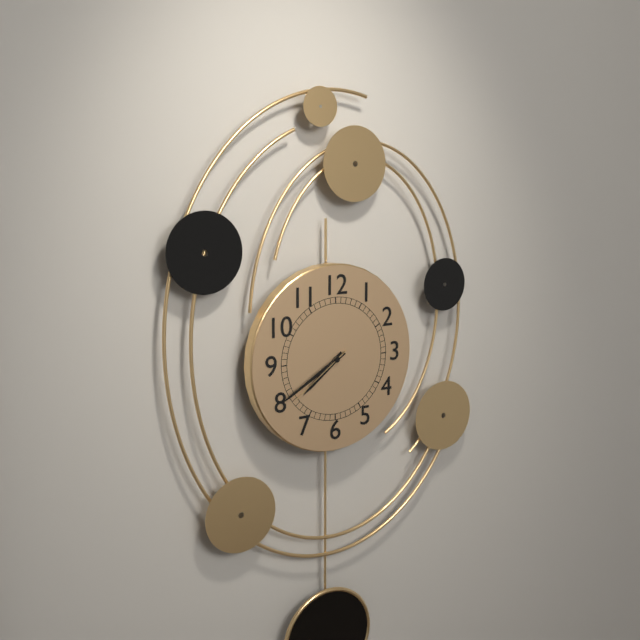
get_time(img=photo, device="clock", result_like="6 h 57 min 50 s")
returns 7 h 40 min 39 s
